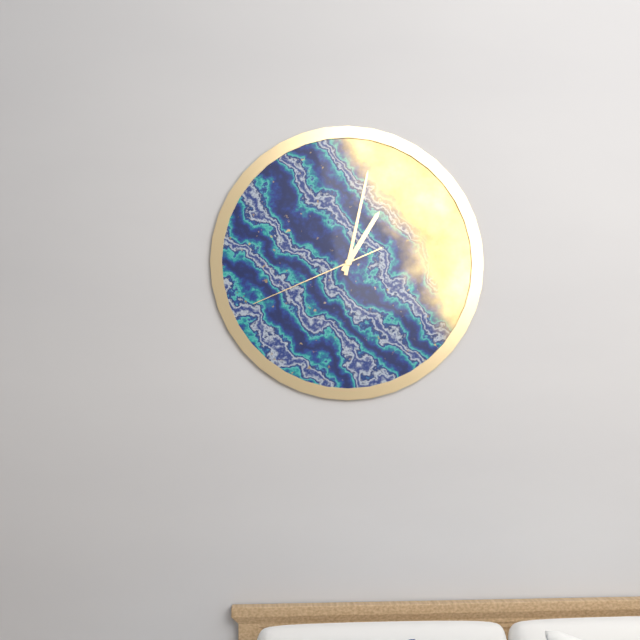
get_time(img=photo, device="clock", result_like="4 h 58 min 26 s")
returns 1 h 02 min 41 s
